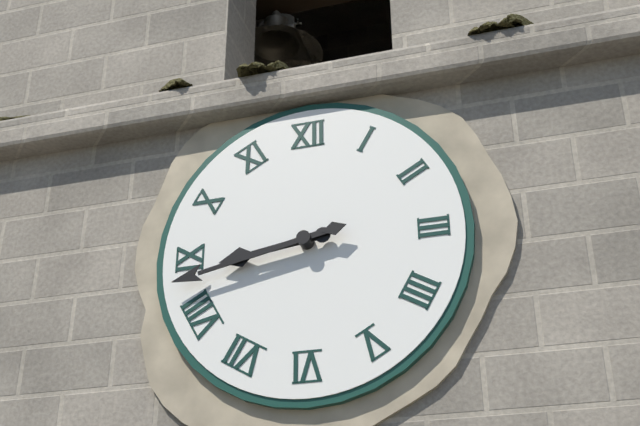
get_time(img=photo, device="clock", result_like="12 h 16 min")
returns 8 h 43 min
